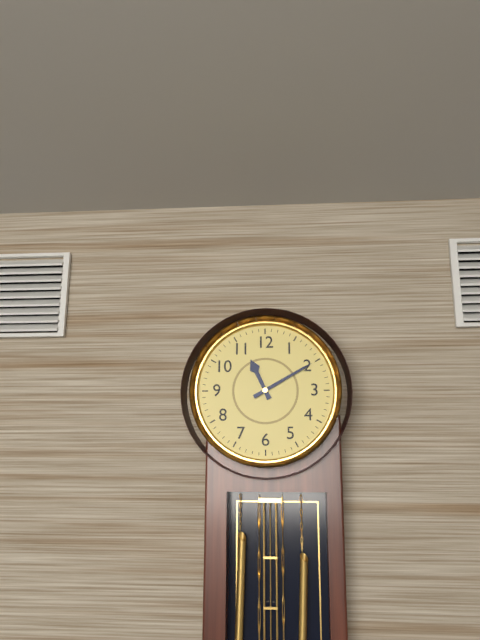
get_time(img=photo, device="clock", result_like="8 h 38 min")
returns 11 h 10 min
